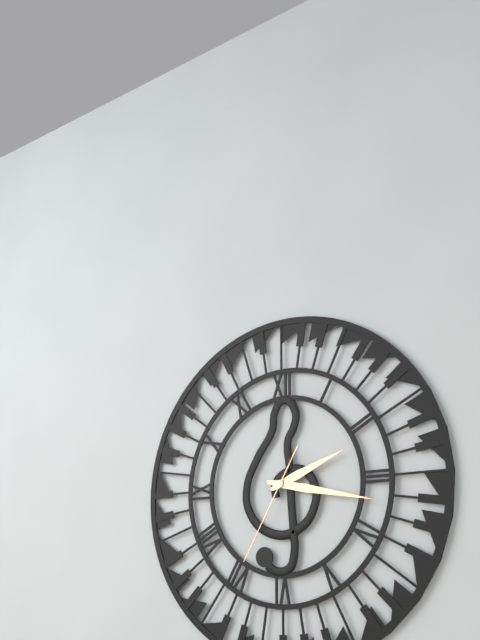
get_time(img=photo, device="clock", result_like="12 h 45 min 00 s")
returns 2 h 17 min 35 s
